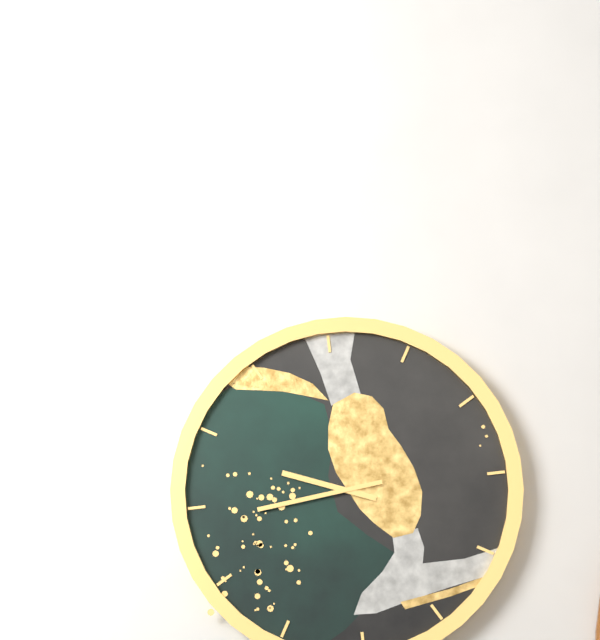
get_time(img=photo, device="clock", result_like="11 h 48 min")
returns 9 h 44 min
